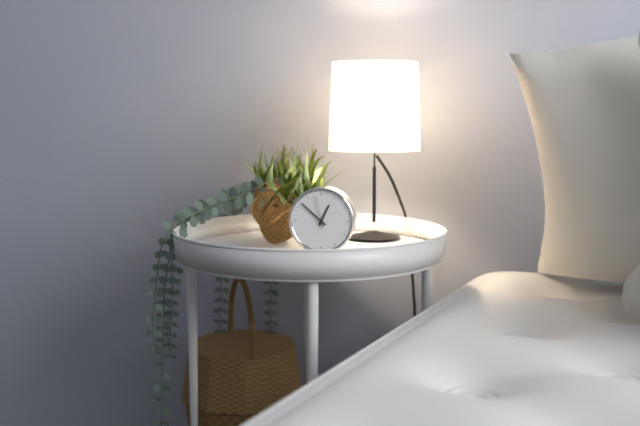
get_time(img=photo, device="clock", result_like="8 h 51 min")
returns 12 h 52 min
